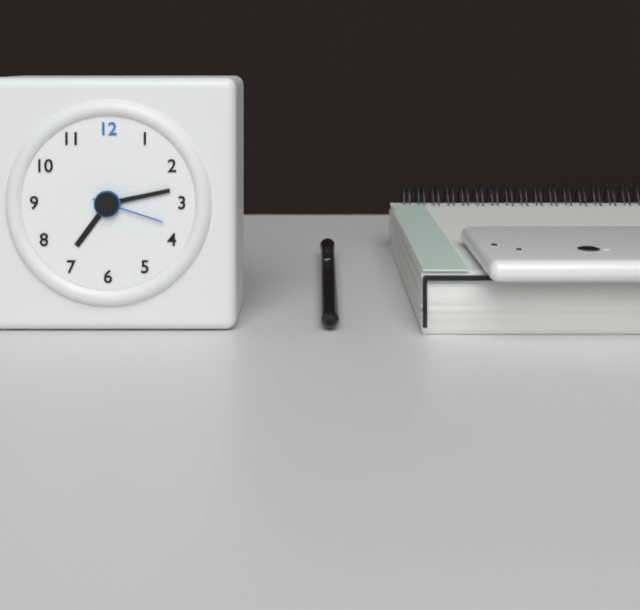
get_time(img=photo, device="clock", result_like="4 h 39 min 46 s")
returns 7 h 13 min 18 s
